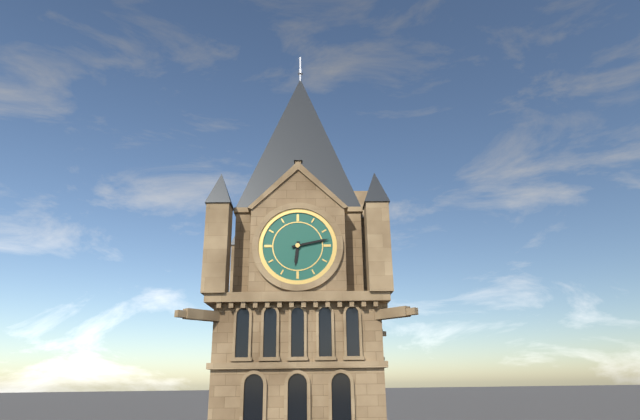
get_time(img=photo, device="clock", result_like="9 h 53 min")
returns 6 h 13 min
